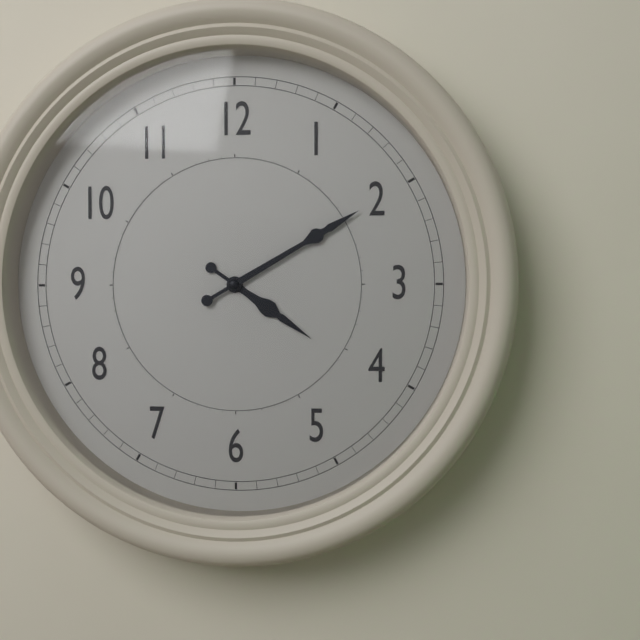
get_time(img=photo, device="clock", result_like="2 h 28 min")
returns 4 h 10 min
